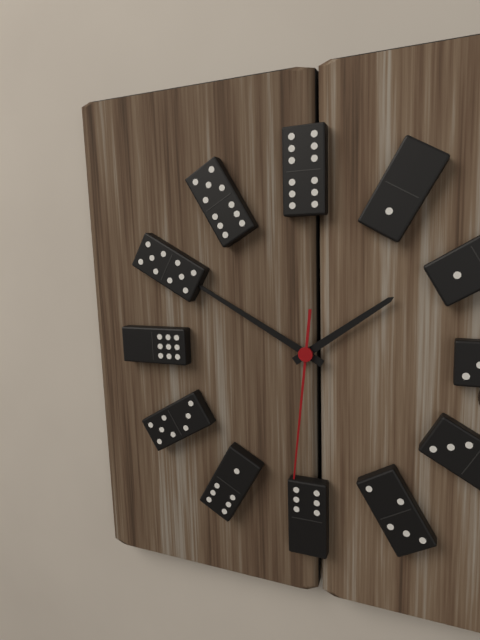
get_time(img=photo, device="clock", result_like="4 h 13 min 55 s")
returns 1 h 50 min 31 s
